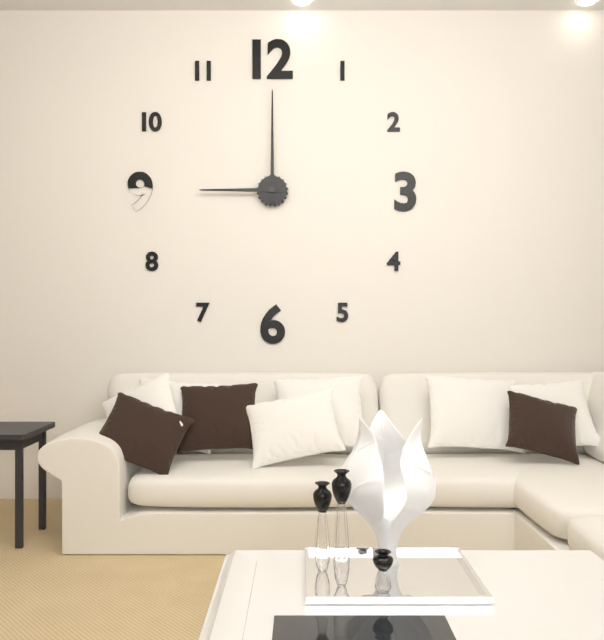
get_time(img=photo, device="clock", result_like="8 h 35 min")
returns 9 h 00 min
